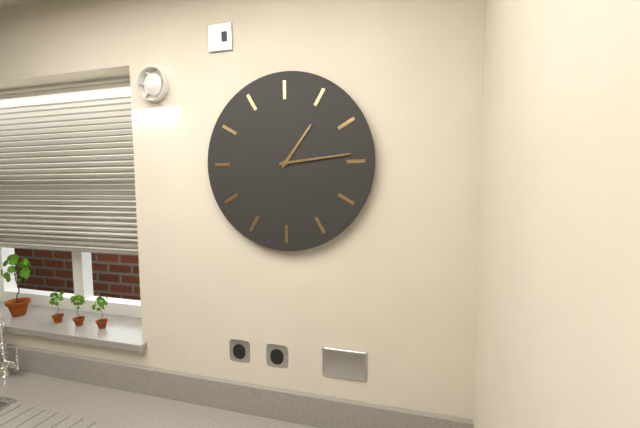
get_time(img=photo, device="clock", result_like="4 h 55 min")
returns 1 h 14 min
